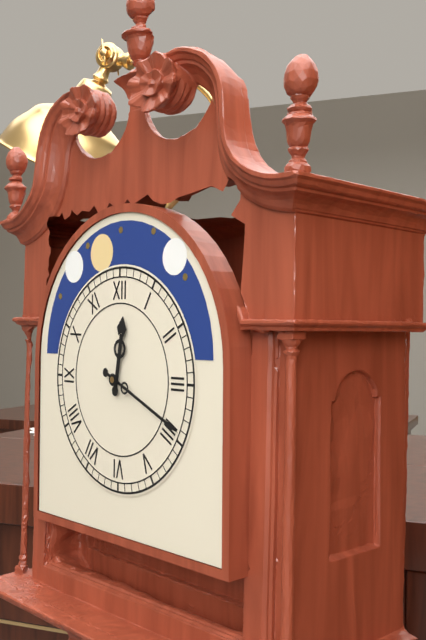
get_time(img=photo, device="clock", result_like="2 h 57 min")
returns 12 h 19 min
